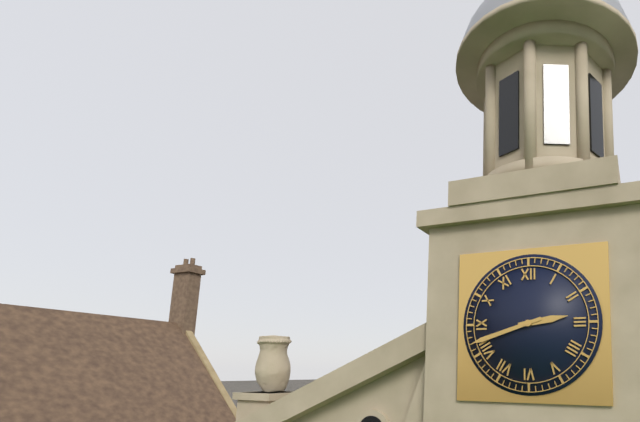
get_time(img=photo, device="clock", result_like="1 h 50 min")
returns 2 h 42 min
